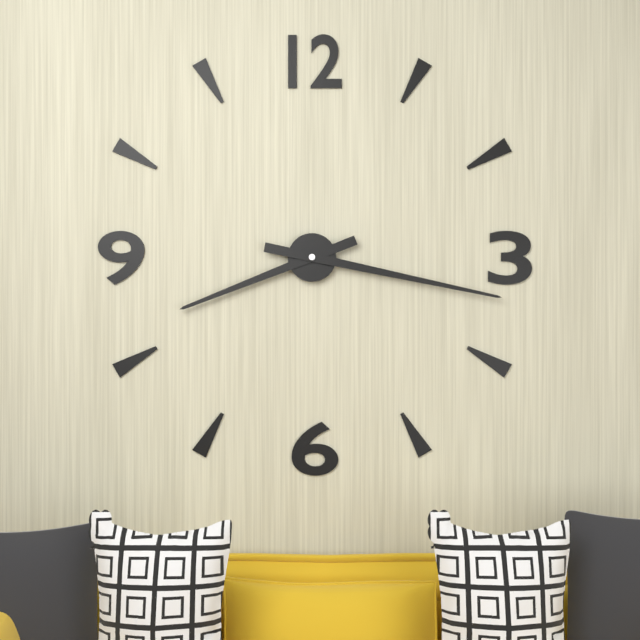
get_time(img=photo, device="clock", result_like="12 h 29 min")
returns 8 h 17 min
